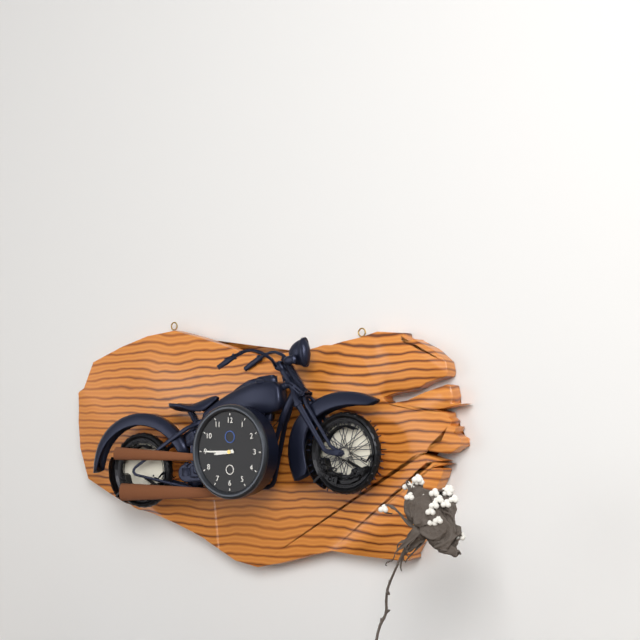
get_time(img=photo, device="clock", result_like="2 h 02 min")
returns 8 h 45 min
